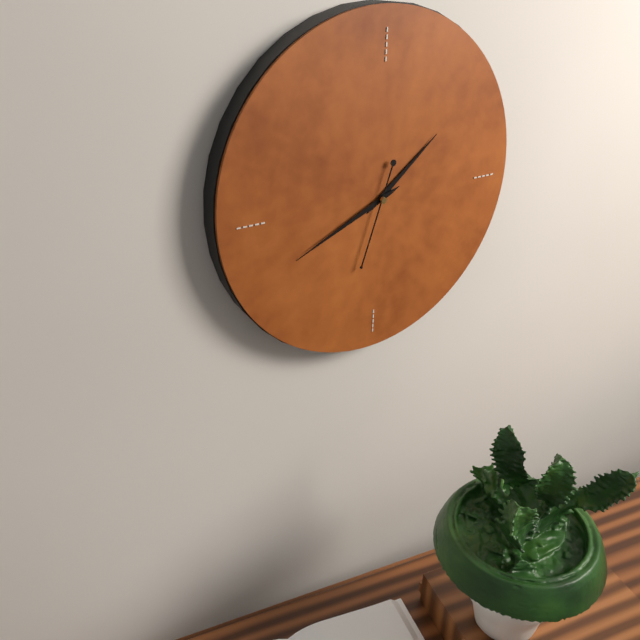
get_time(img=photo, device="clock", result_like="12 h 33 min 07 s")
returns 1 h 41 min 33 s
